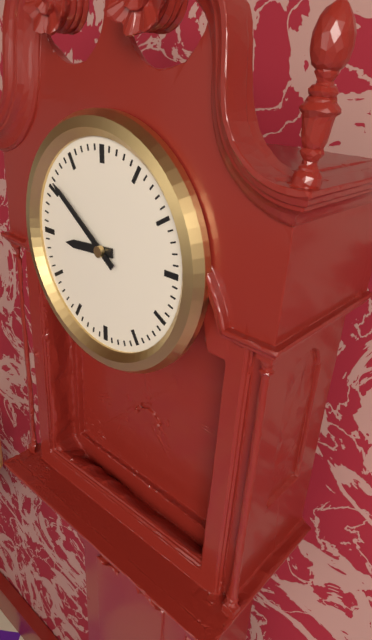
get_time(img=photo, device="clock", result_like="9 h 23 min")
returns 8 h 51 min
